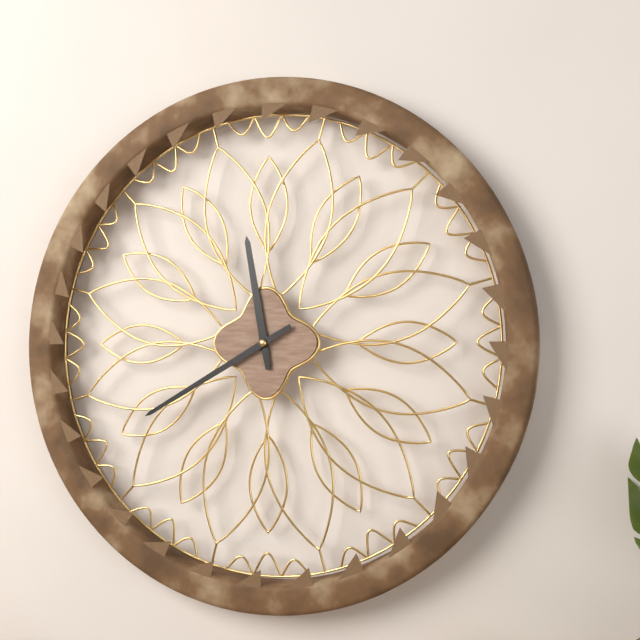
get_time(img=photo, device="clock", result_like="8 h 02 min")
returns 11 h 40 min
